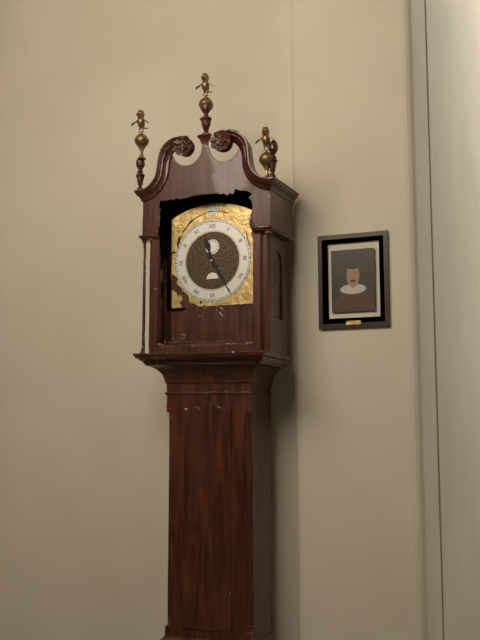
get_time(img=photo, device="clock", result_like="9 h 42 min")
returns 11 h 25 min
